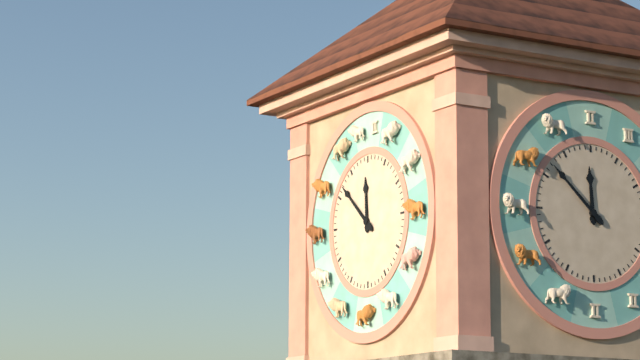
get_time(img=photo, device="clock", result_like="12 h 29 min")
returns 11 h 52 min
